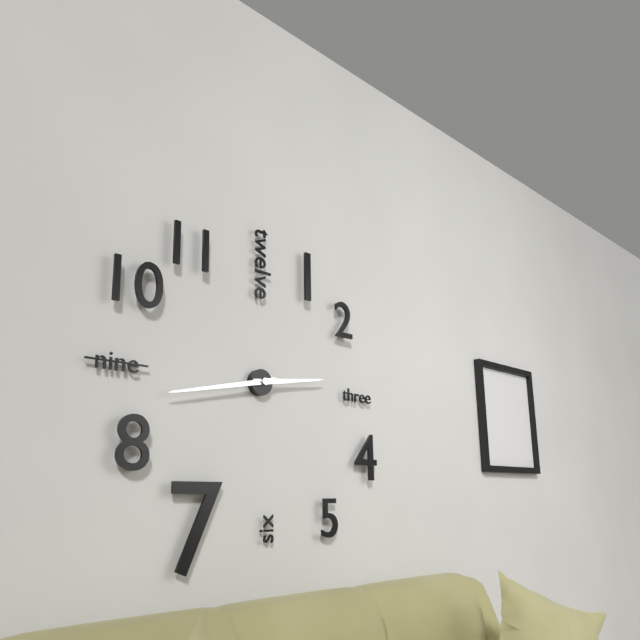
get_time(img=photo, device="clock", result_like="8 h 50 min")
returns 2 h 43 min
